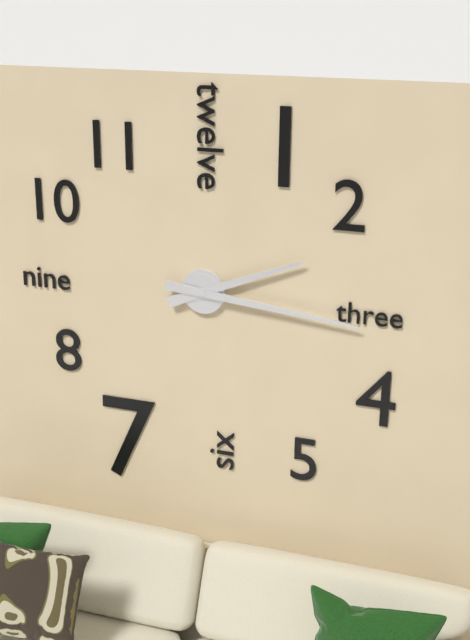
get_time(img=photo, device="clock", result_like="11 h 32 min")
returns 2 h 16 min
